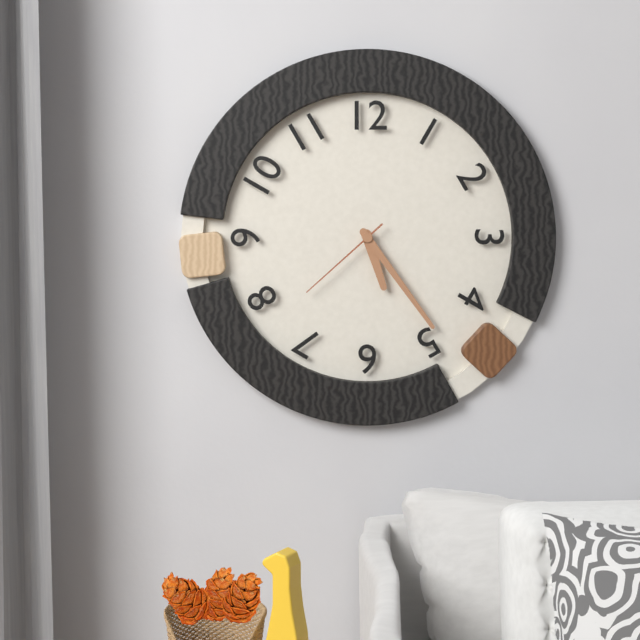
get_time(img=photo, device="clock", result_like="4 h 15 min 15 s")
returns 5 h 24 min 38 s
